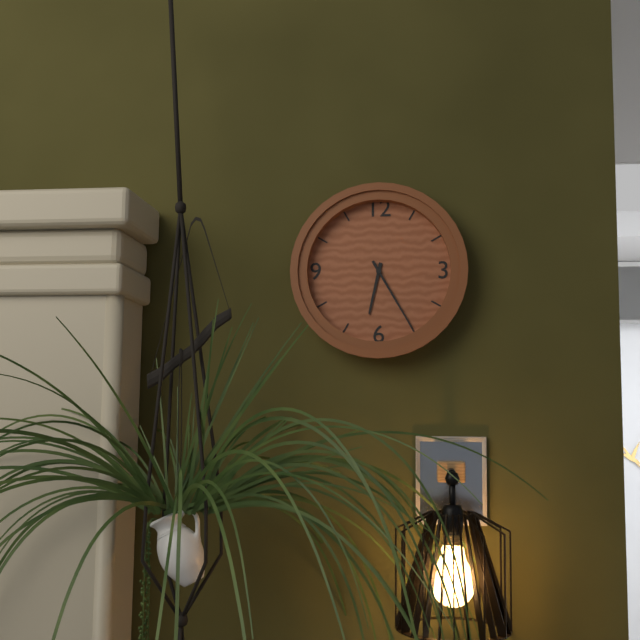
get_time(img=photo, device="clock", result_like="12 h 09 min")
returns 6 h 25 min
